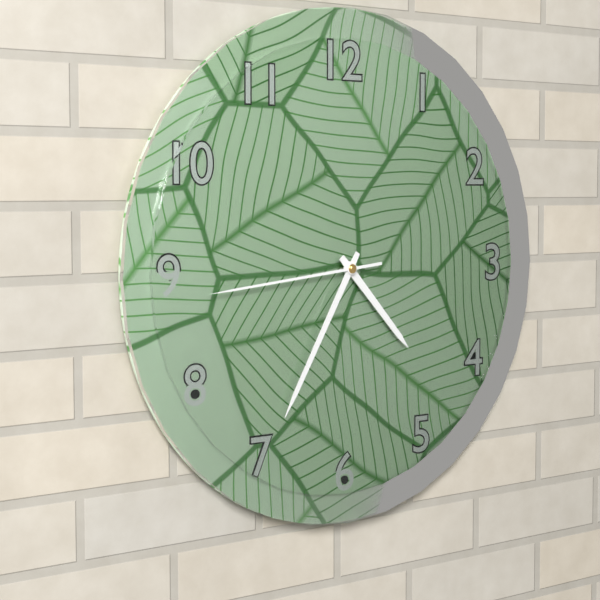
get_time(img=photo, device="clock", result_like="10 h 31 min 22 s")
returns 4 h 35 min 44 s
